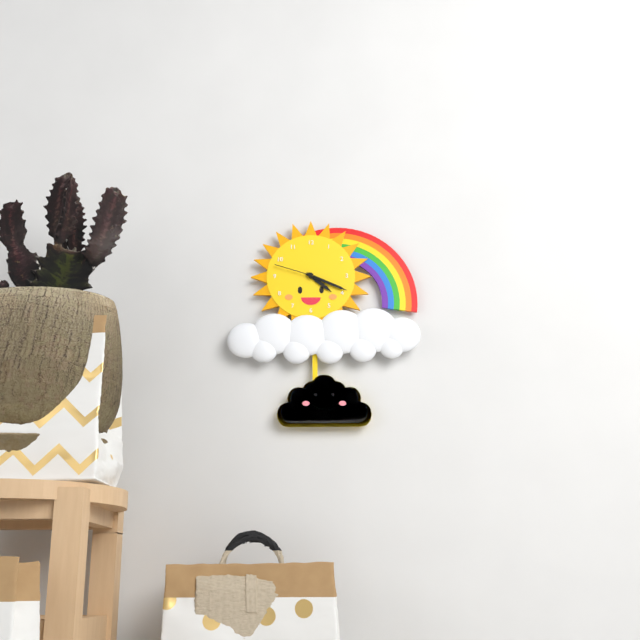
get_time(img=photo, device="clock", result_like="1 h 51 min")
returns 4 h 19 min
